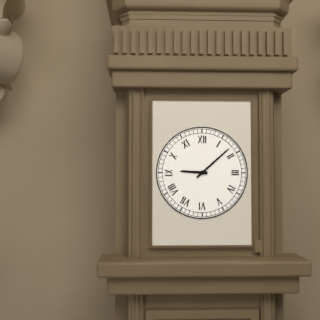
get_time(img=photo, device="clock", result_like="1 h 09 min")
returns 9 h 08 min
